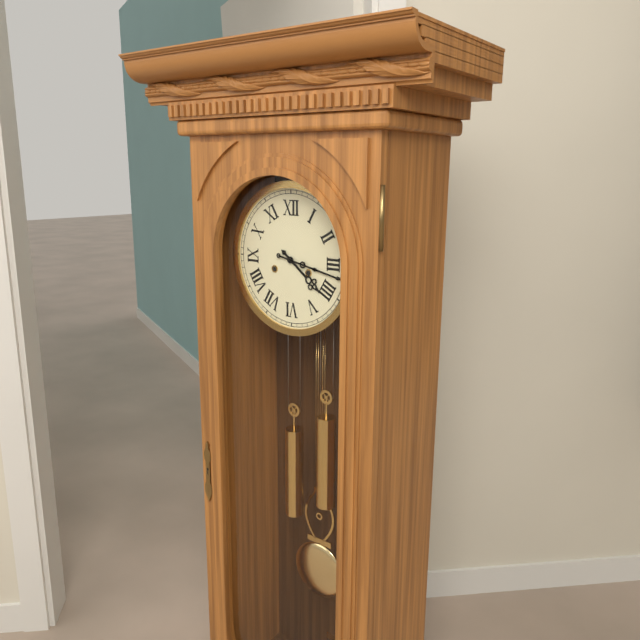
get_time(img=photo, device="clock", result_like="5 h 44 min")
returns 4 h 17 min
